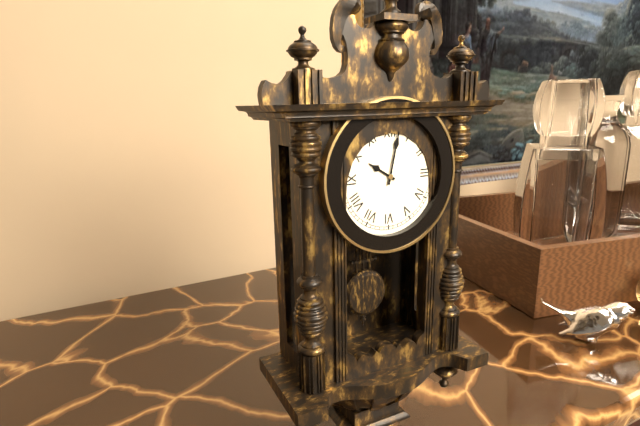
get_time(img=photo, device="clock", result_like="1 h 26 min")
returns 10 h 02 min
